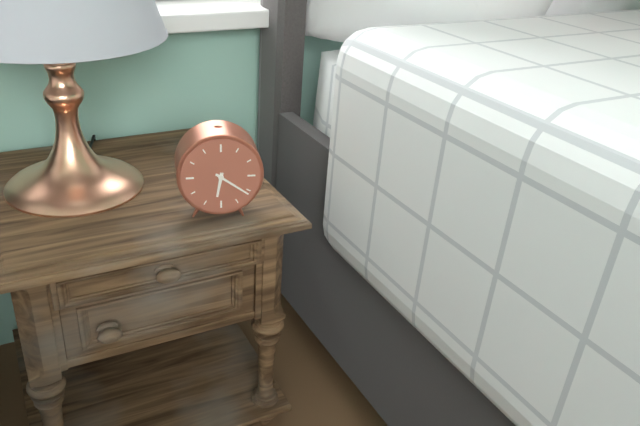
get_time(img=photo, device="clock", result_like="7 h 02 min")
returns 6 h 21 min
